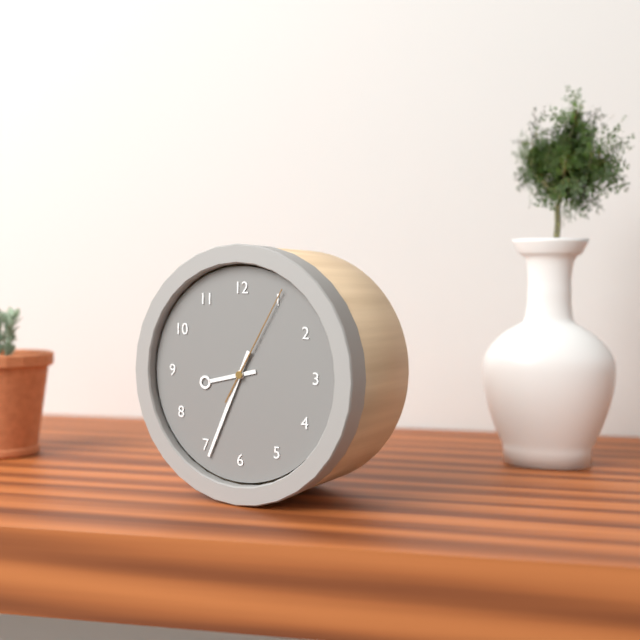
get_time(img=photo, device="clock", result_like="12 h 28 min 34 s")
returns 8 h 34 min 05 s
